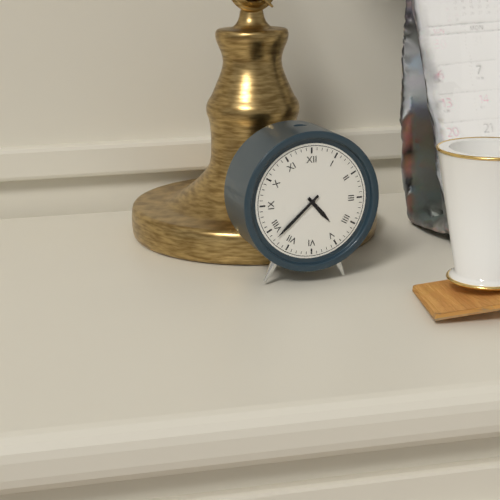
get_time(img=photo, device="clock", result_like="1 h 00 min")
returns 4 h 38 min
